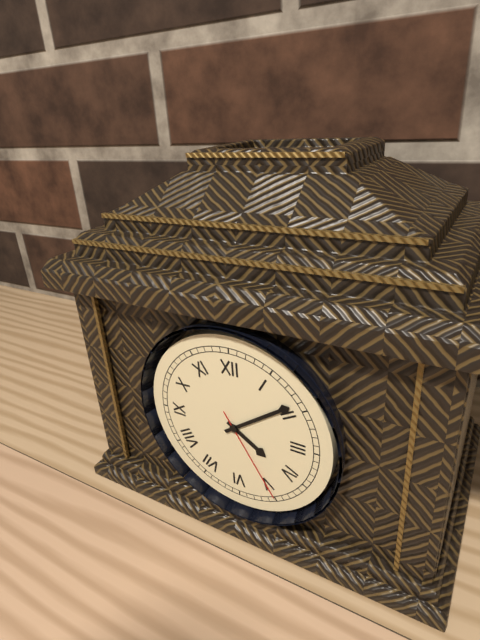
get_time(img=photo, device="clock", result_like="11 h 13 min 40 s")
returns 4 h 09 min 25 s
